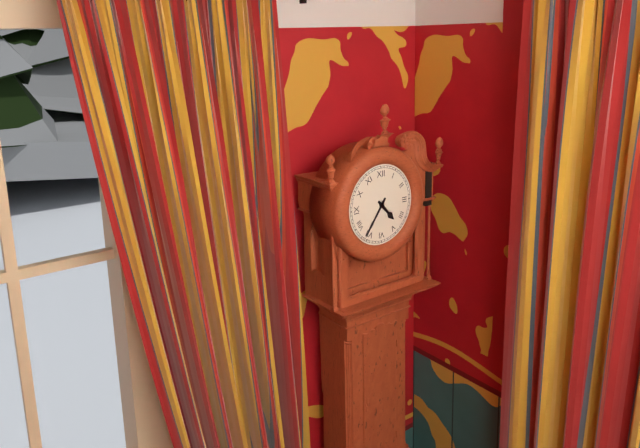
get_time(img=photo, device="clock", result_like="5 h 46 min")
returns 4 h 36 min
